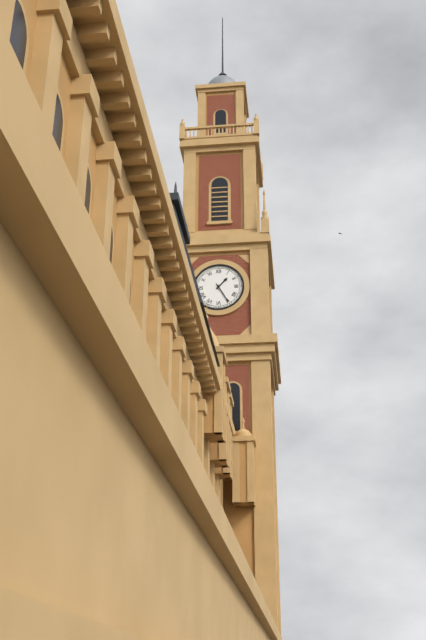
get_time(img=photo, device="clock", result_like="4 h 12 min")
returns 1 h 25 min
